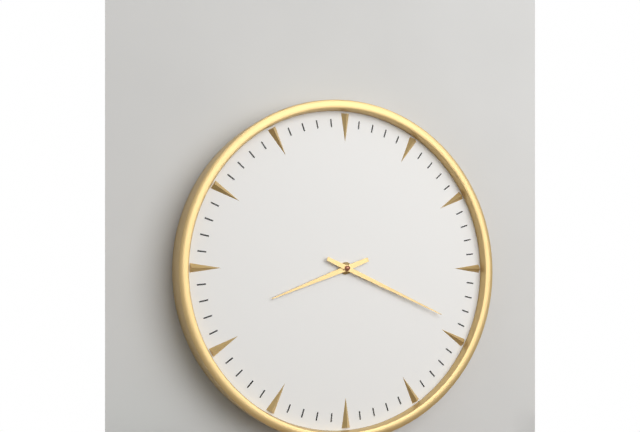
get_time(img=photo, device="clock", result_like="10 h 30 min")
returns 8 h 19 min
